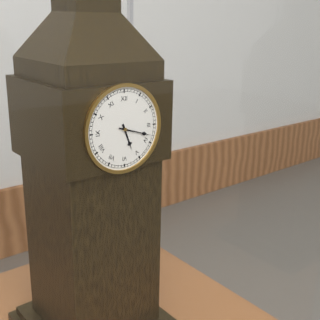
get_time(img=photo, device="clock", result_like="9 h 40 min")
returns 5 h 18 min
